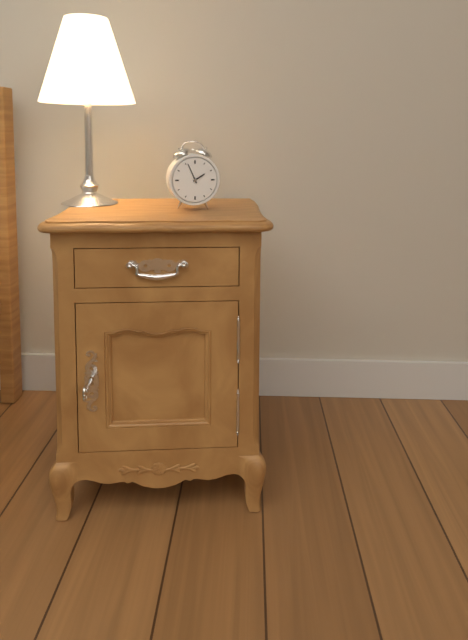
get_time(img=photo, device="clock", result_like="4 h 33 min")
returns 1 h 56 min
